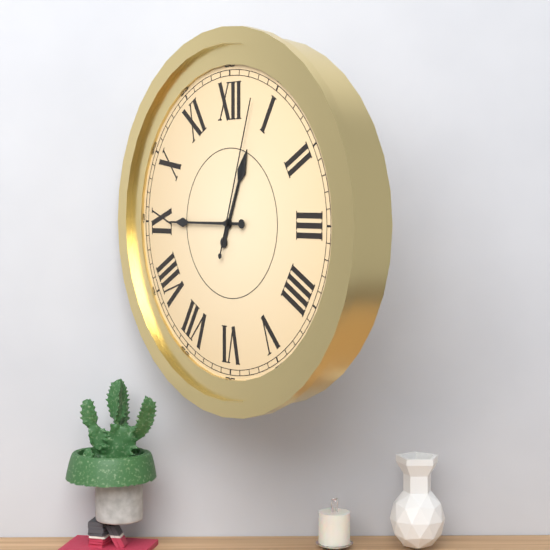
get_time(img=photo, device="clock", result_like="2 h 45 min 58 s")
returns 12 h 45 min 03 s
